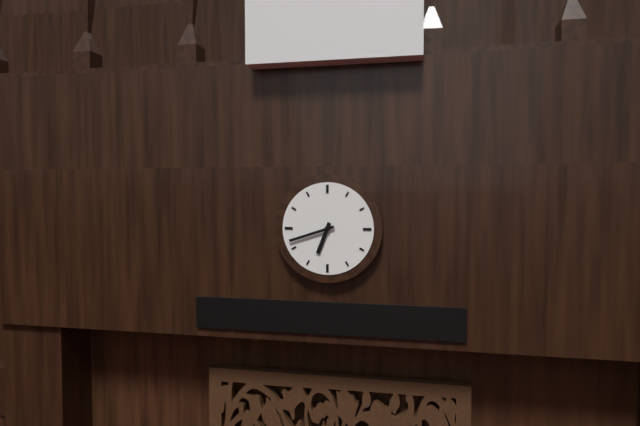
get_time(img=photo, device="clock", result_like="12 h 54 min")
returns 6 h 42 min
